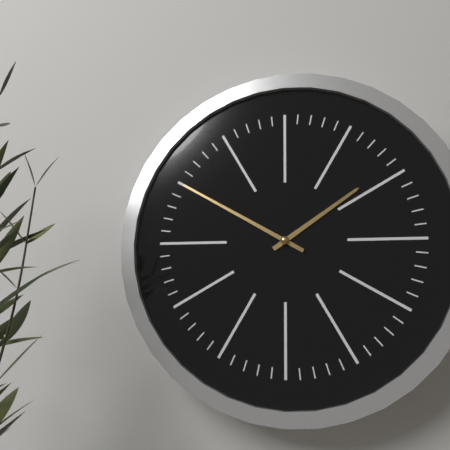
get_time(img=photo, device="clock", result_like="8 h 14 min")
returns 1 h 50 min
